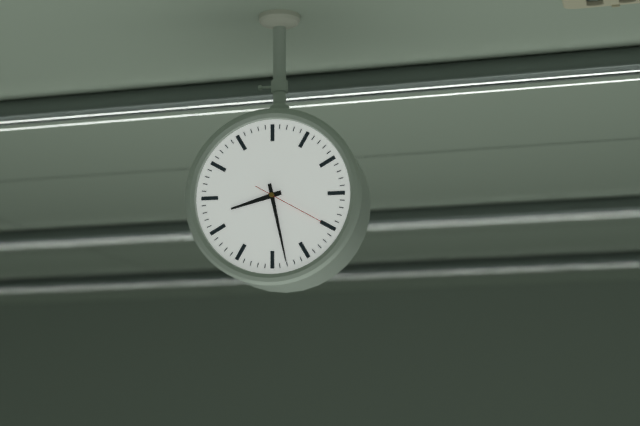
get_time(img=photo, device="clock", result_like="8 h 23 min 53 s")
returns 8 h 28 min 20 s
